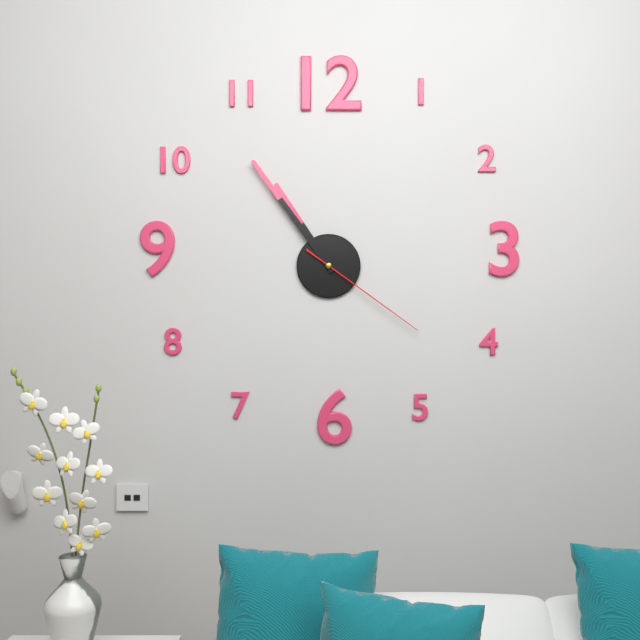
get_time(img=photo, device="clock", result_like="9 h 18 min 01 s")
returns 10 h 54 min 21 s
